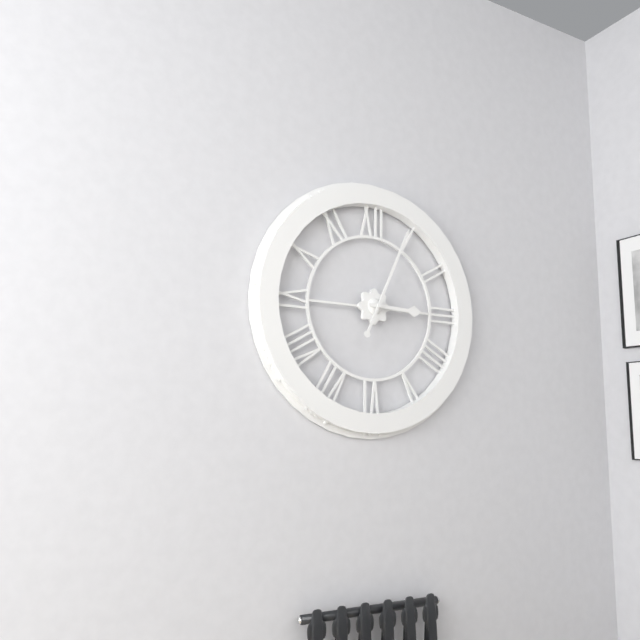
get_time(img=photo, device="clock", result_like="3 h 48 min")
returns 3 h 04 min
